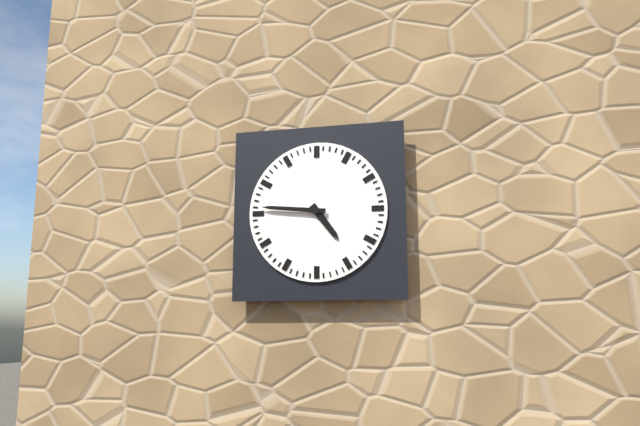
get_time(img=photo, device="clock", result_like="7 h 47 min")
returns 4 h 46 min
